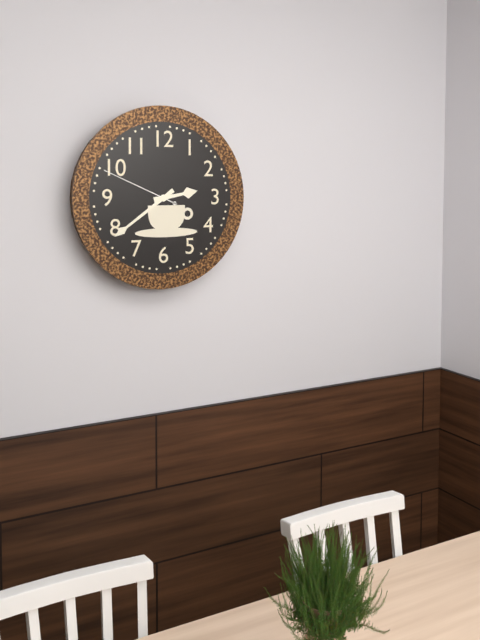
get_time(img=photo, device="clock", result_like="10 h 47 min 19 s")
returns 2 h 39 min 49 s
